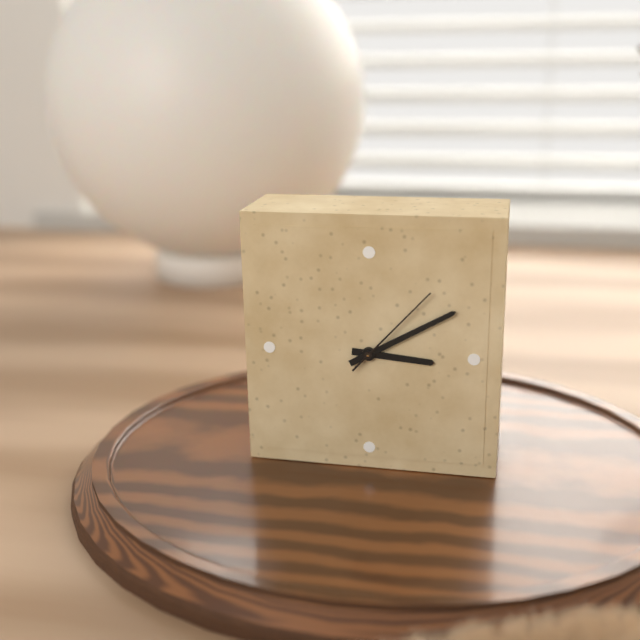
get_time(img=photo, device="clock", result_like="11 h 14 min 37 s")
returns 3 h 10 min 07 s
